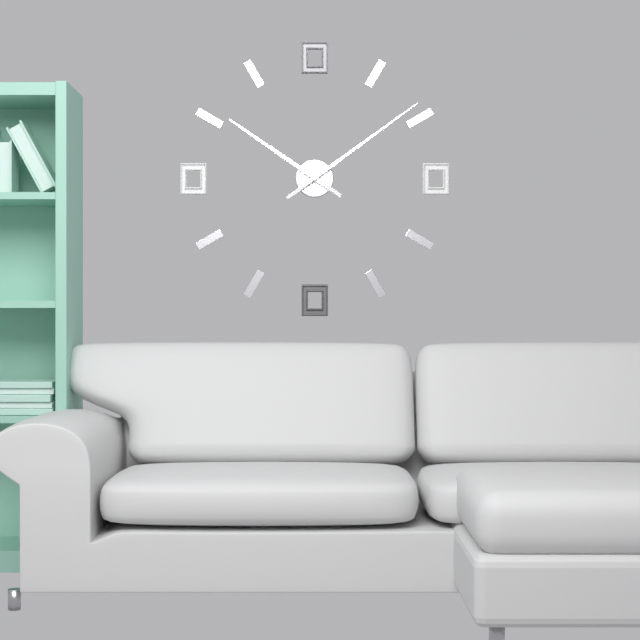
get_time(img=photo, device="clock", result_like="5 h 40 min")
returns 10 h 09 min
